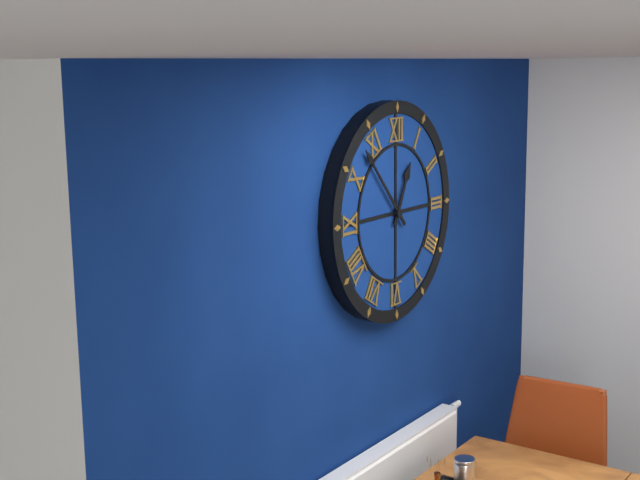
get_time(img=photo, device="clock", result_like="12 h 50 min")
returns 12 h 53 min
